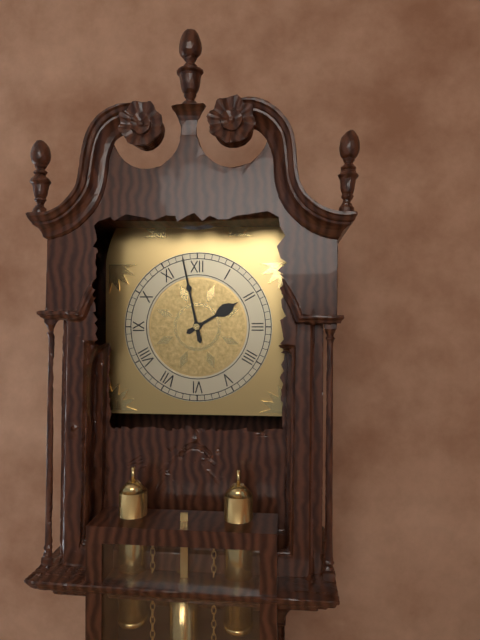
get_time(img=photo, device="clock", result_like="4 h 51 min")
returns 1 h 58 min
